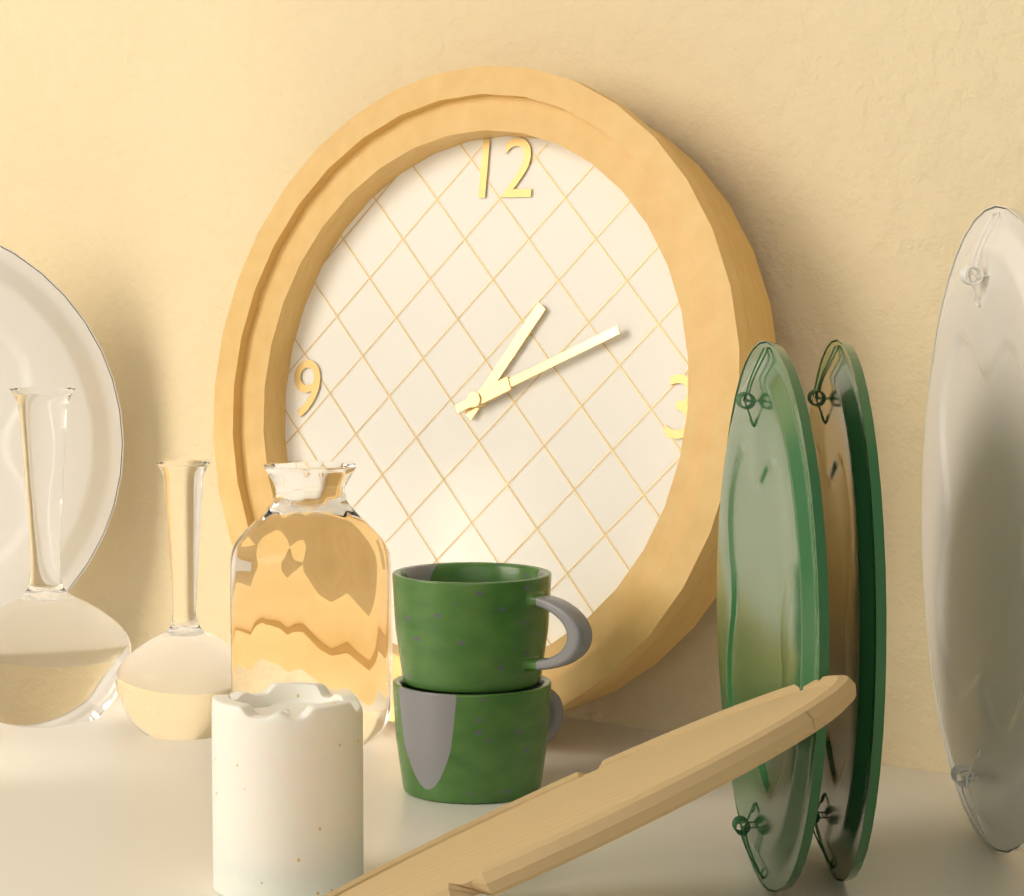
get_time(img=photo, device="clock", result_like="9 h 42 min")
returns 1 h 11 min
